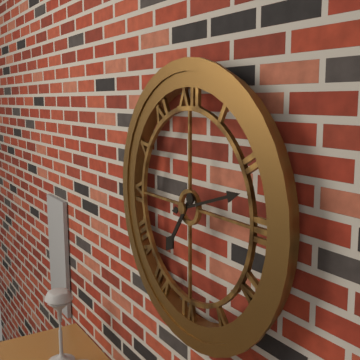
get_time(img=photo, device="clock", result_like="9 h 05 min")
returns 7 h 12 min
